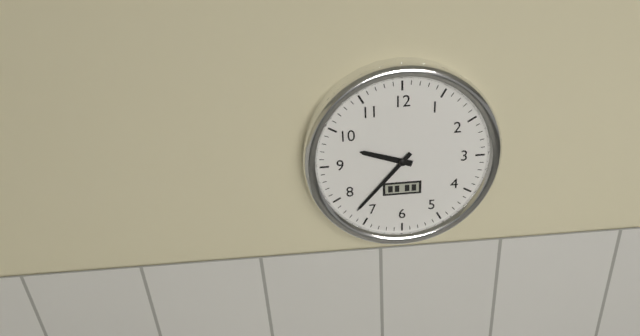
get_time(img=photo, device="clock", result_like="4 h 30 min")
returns 9 h 37 min
